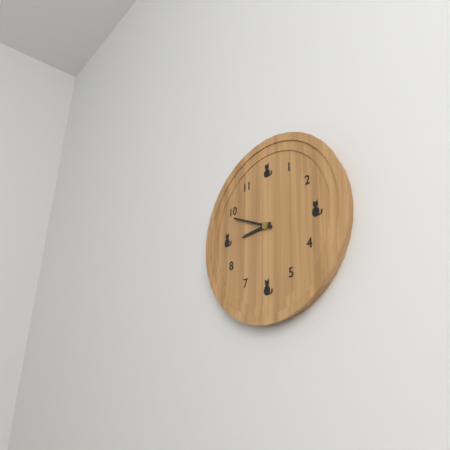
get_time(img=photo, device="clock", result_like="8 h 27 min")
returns 8 h 49 min
